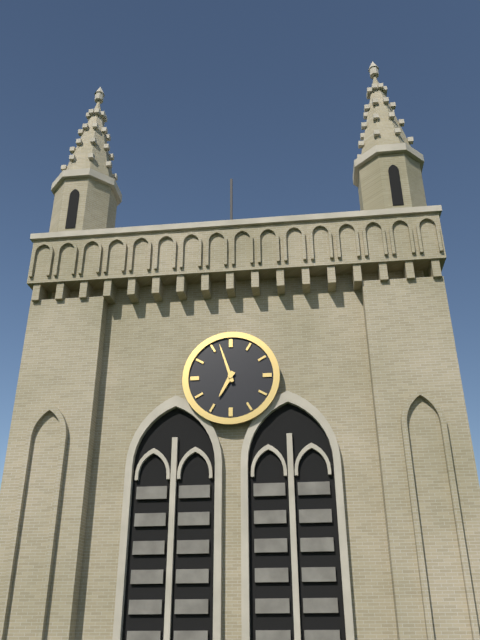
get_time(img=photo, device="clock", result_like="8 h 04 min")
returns 6 h 57 min
